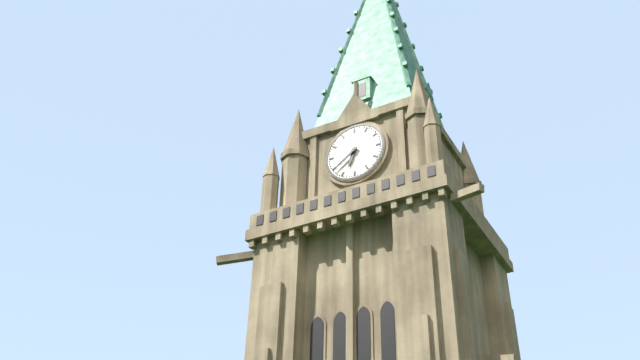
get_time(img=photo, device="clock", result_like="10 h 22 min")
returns 6 h 39 min
